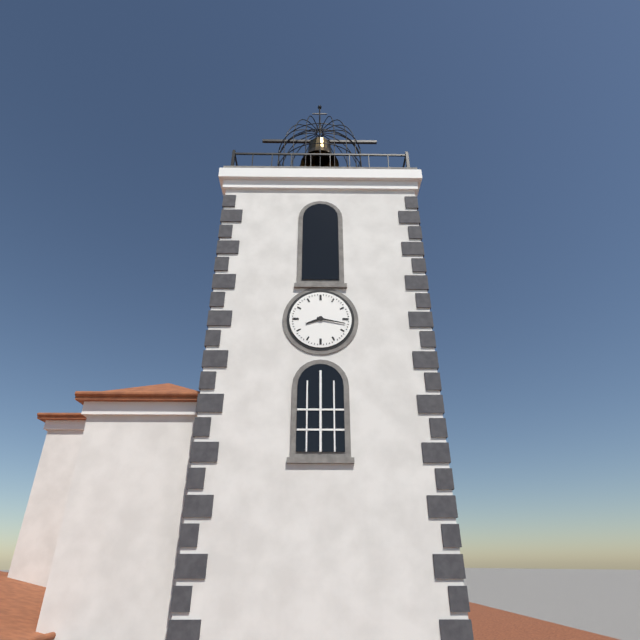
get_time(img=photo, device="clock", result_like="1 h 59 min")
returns 8 h 17 min
